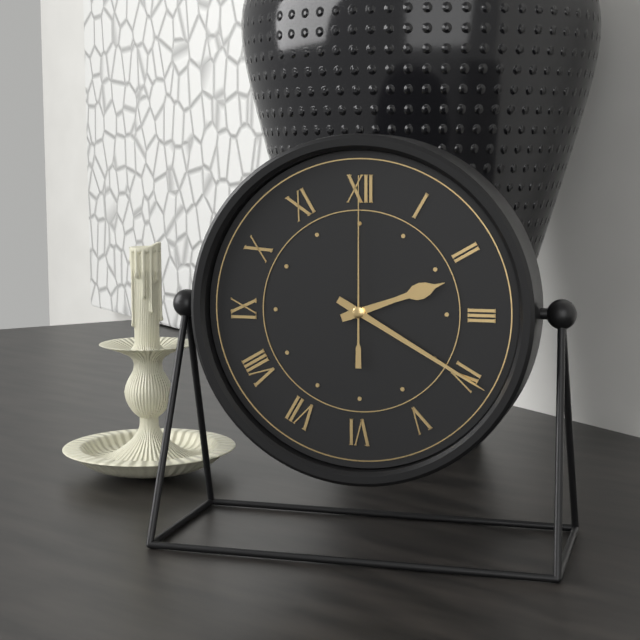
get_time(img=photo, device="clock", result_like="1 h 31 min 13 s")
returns 2 h 20 min 00 s
